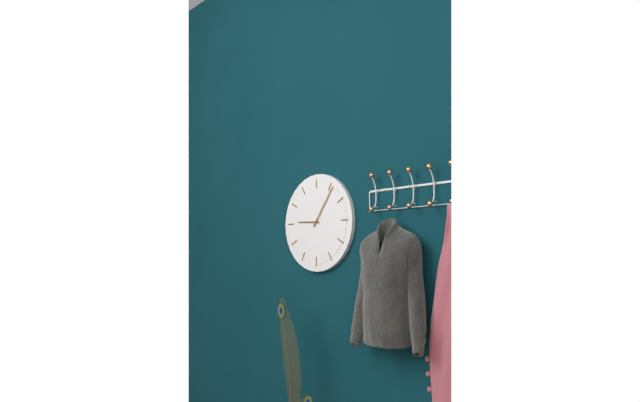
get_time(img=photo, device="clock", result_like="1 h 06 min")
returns 9 h 06 min
